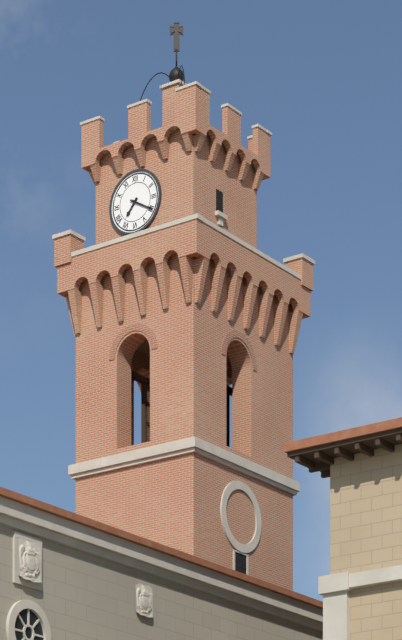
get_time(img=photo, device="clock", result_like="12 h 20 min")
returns 7 h 20 min
